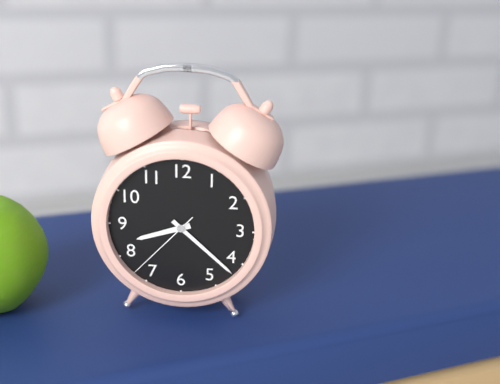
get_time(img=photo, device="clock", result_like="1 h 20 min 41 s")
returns 8 h 22 min 37 s
